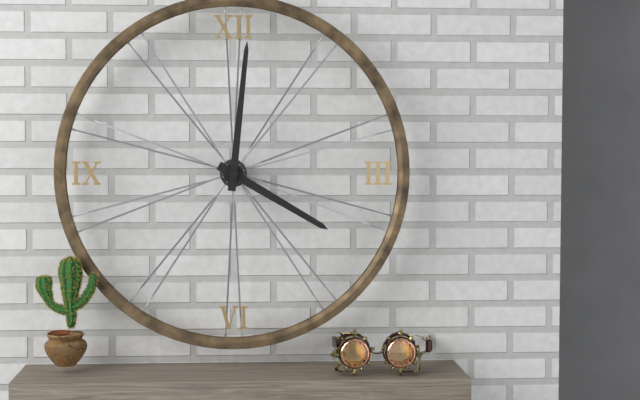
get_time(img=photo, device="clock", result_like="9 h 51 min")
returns 4 h 01 min
